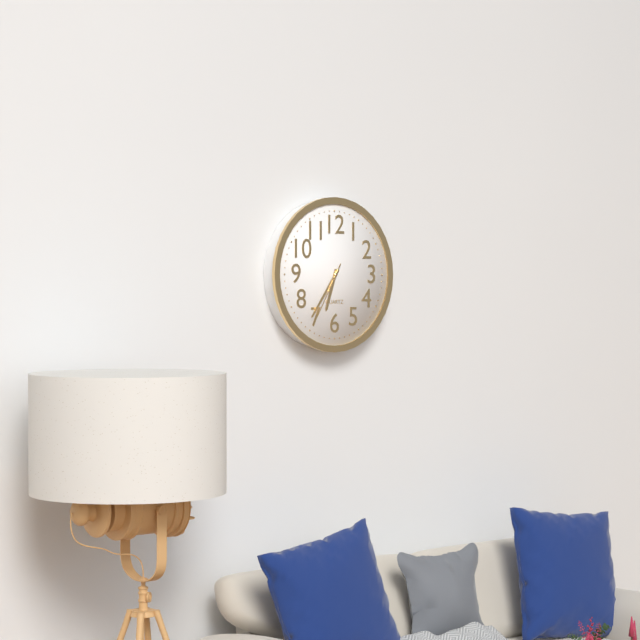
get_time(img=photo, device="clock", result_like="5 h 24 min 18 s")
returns 6 h 36 min 35 s
